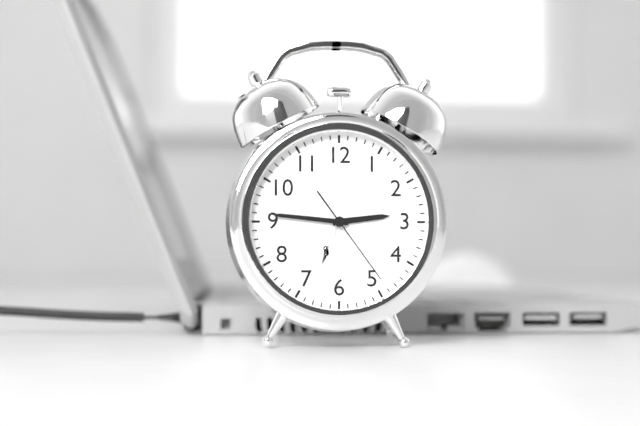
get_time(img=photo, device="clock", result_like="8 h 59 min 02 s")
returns 2 h 46 min 24 s
